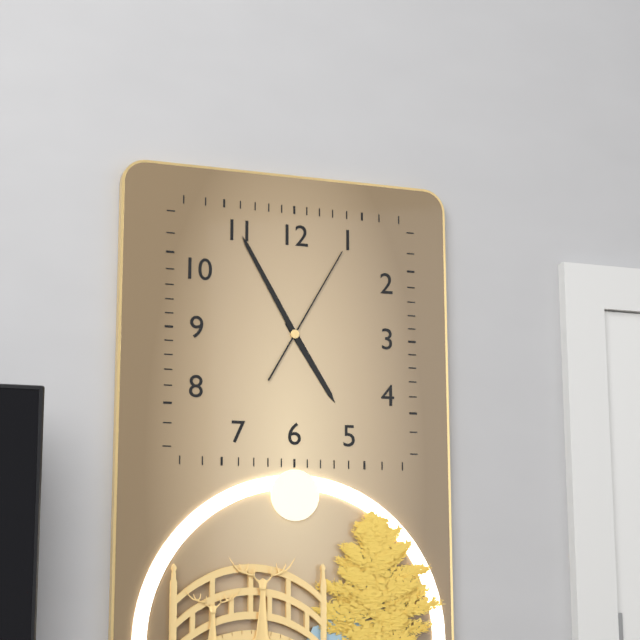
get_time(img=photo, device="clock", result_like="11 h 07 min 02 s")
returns 4 h 55 min 05 s
